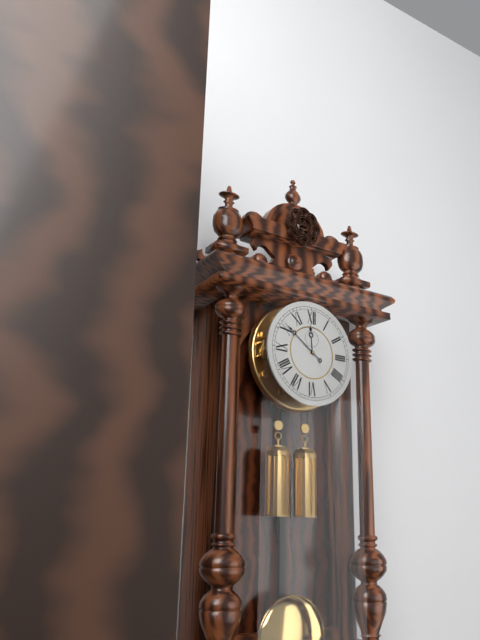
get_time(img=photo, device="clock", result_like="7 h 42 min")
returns 11 h 51 min
